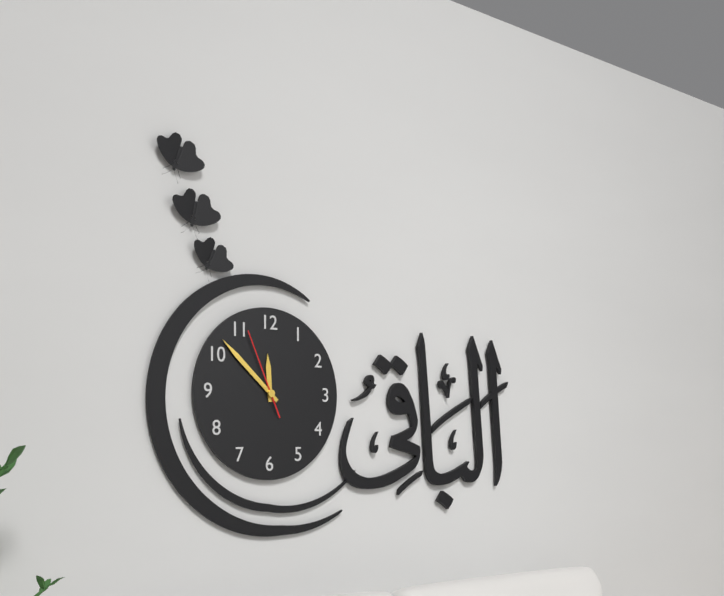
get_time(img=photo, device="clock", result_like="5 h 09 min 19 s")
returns 11 h 52 min 56 s
